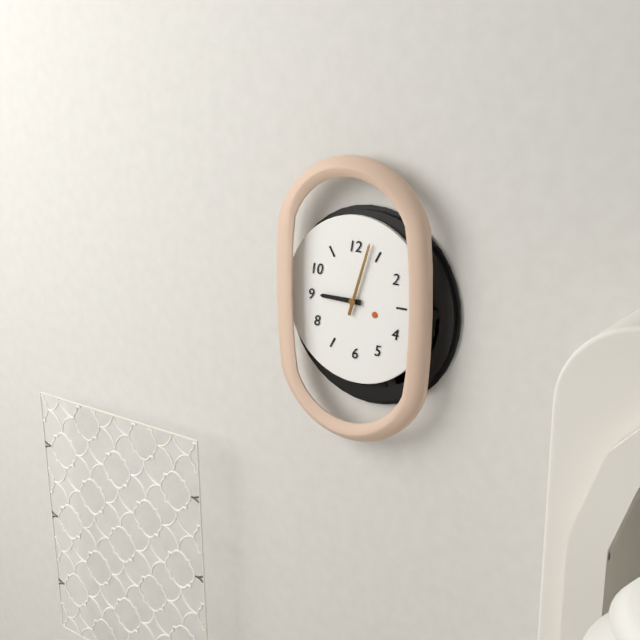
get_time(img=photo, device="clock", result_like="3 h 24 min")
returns 9 h 03 min
